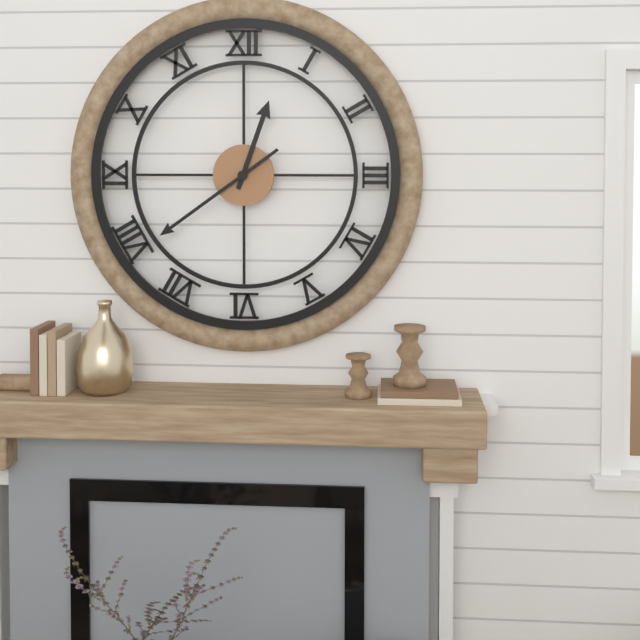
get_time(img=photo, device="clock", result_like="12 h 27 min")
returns 12 h 39 min
